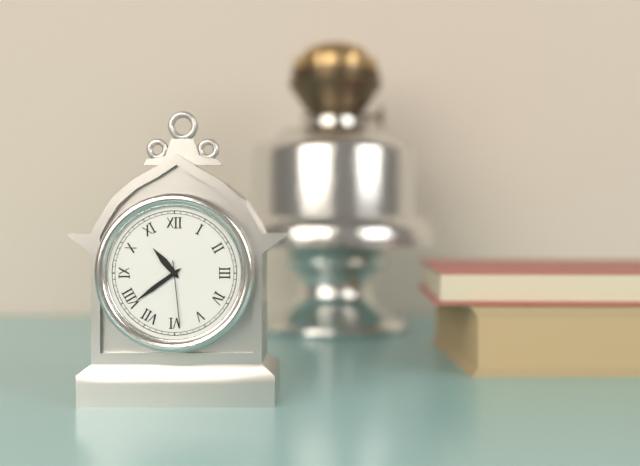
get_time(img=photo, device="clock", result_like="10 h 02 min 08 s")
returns 10 h 39 min 29 s
